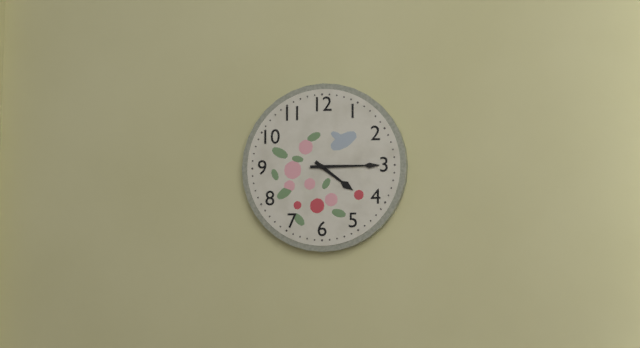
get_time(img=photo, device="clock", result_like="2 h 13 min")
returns 4 h 15 min
